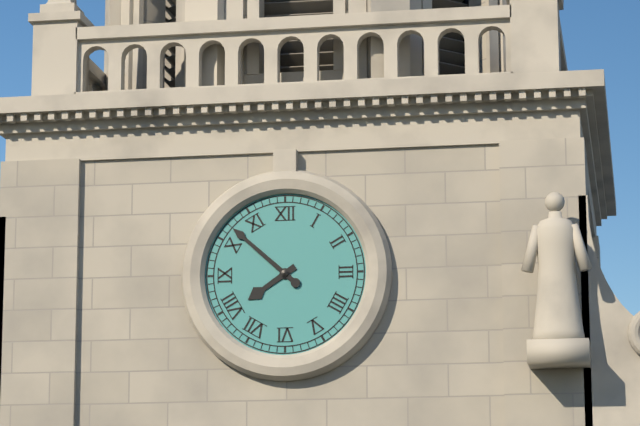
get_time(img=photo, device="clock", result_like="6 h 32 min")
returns 7 h 52 min
